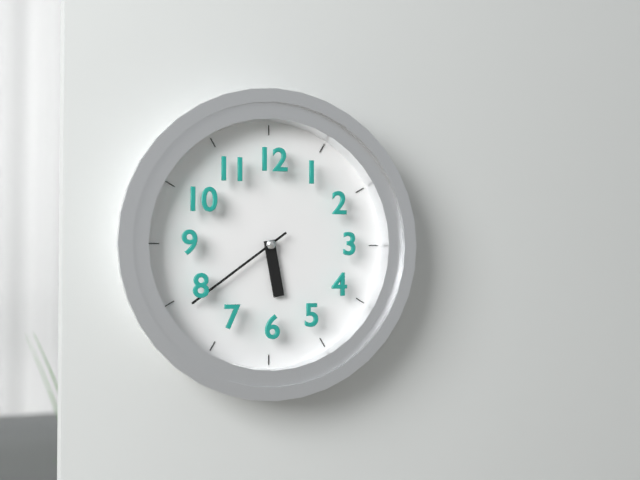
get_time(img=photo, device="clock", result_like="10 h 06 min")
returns 5 h 39 min
